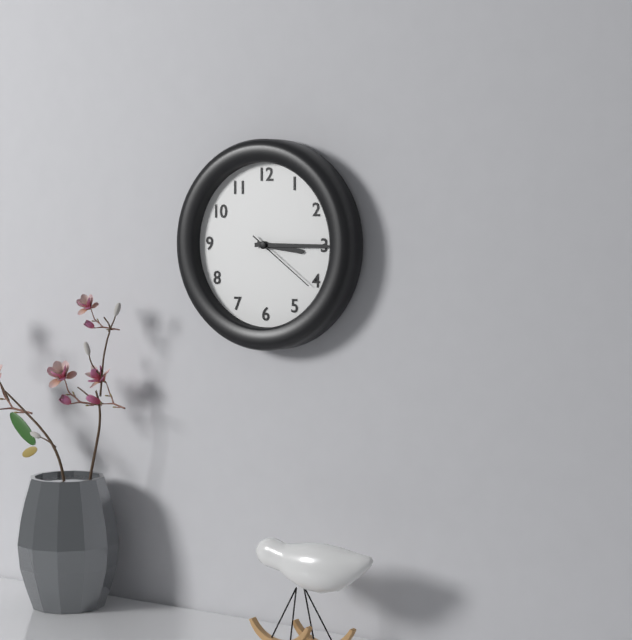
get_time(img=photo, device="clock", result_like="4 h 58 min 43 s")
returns 3 h 15 min 21 s
